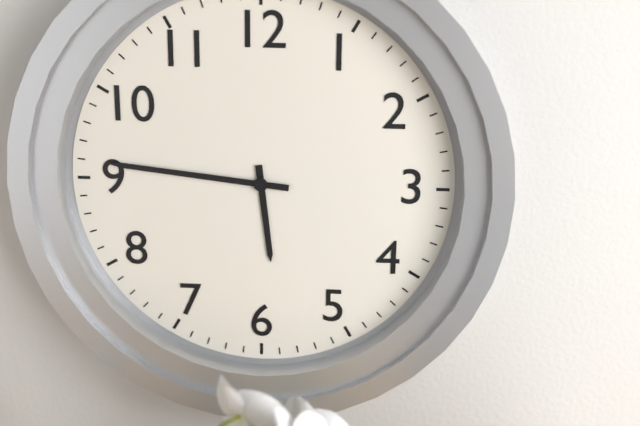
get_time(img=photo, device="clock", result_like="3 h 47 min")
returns 5 h 46 min
